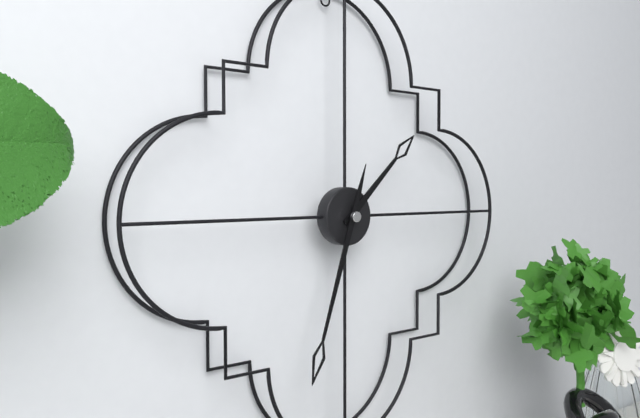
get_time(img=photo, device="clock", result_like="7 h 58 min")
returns 1 h 33 min
